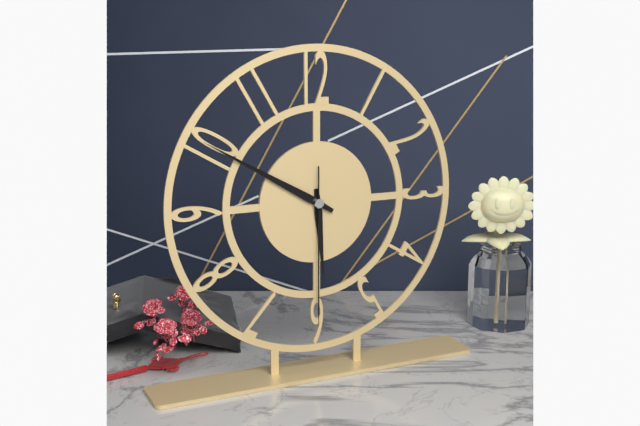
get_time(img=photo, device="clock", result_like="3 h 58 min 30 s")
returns 5 h 50 min 30 s
